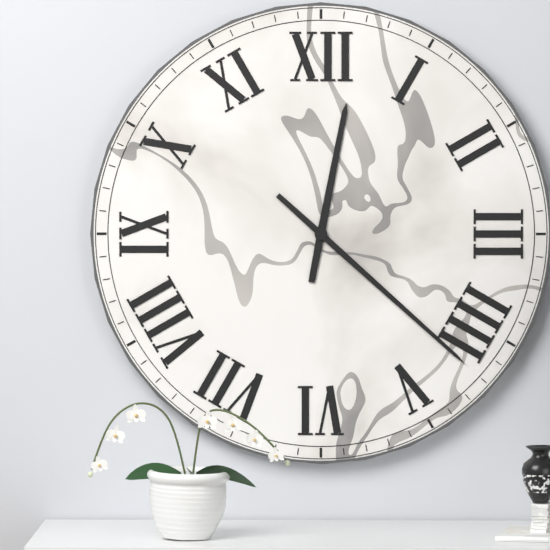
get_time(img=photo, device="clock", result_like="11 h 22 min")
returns 12 h 22 min
